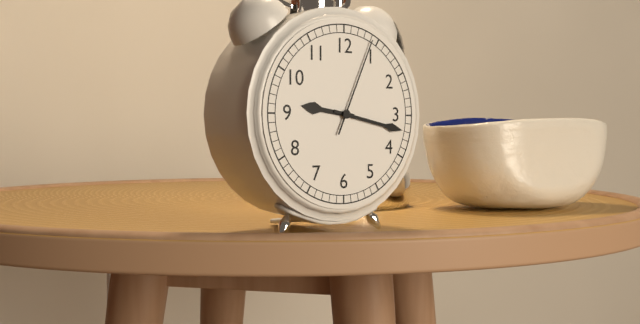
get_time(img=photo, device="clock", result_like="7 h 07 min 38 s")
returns 9 h 17 min 04 s
